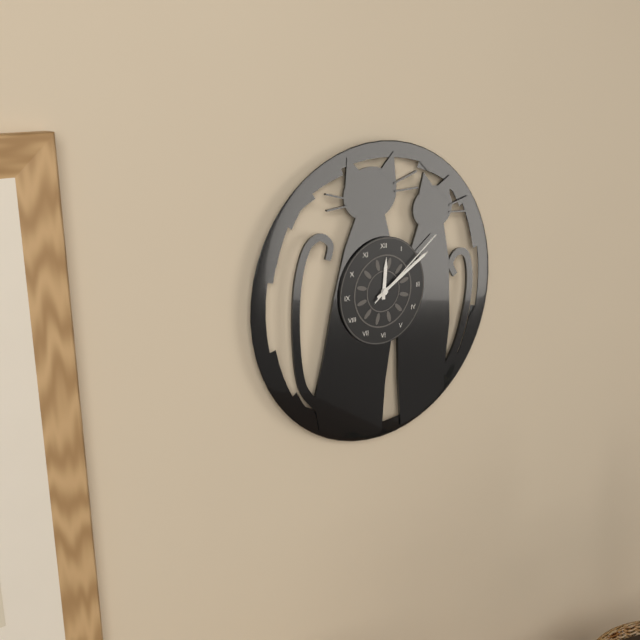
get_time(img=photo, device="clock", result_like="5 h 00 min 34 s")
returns 12 h 10 min 09 s
